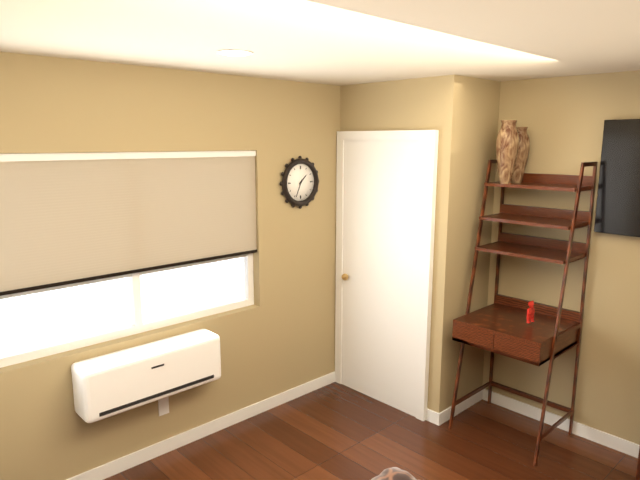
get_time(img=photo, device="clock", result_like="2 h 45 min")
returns 1 h 34 min
